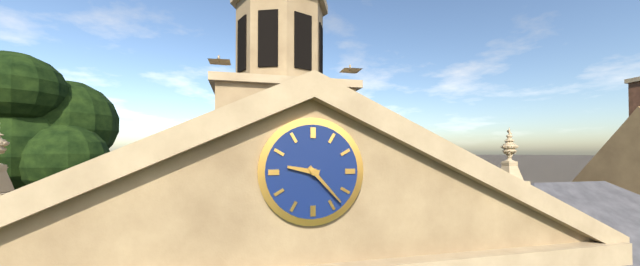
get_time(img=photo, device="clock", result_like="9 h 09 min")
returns 9 h 23 min
